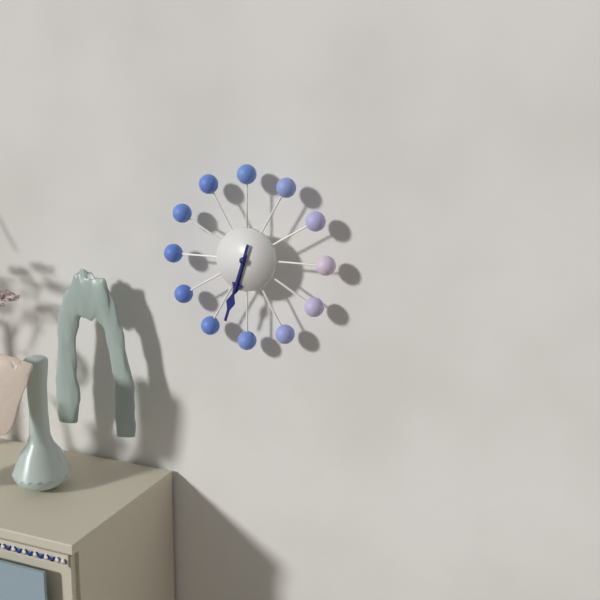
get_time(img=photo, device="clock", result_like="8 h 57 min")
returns 6 h 33 min
